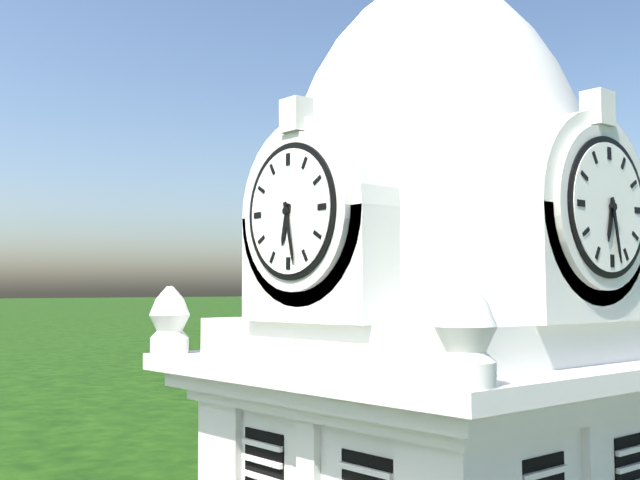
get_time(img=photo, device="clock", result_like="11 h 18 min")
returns 6 h 28 min
